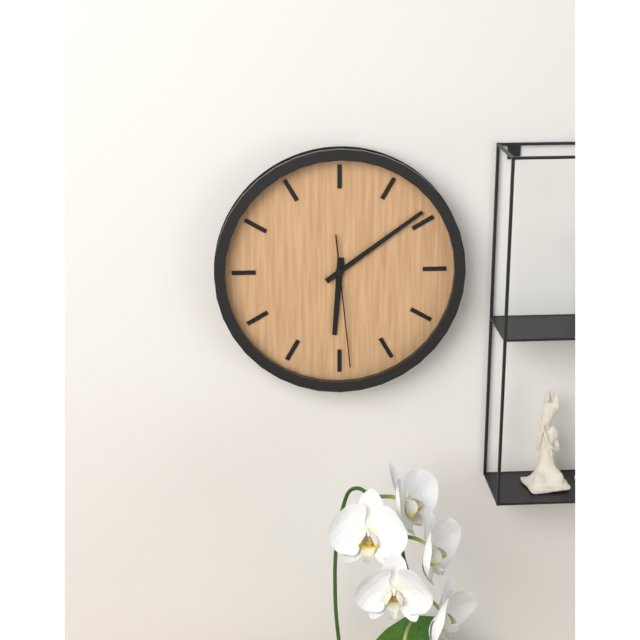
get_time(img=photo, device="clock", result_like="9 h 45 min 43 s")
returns 6 h 09 min 29 s
